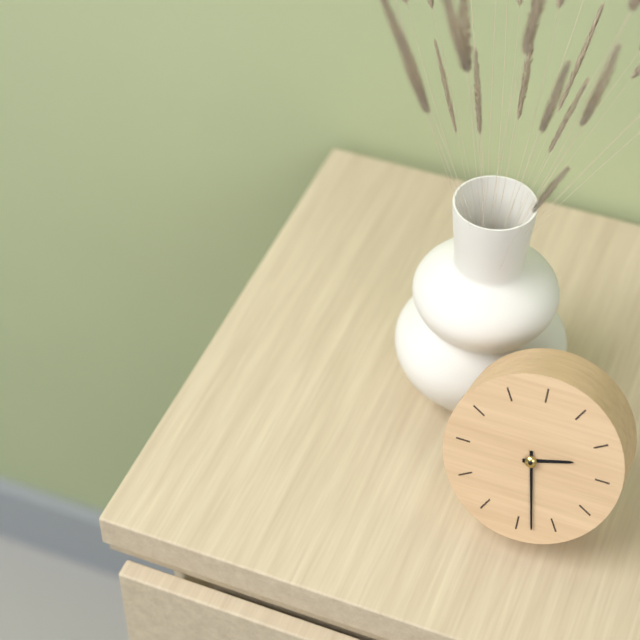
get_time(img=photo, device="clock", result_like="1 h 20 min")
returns 2 h 28 min
